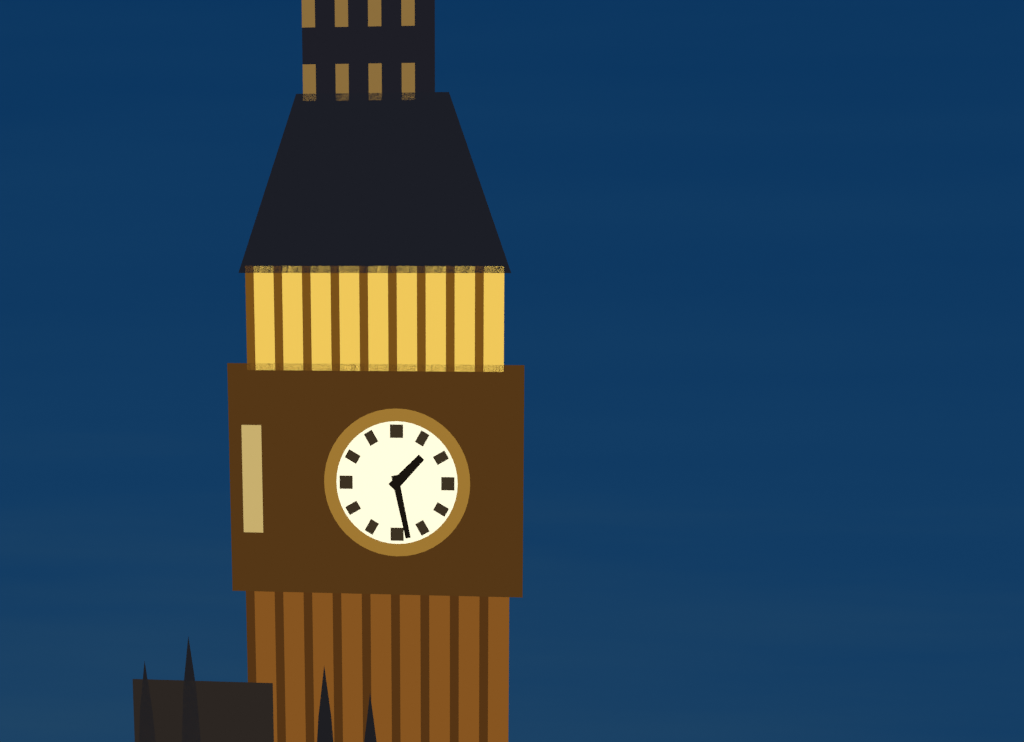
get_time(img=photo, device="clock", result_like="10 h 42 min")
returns 1 h 28 min
